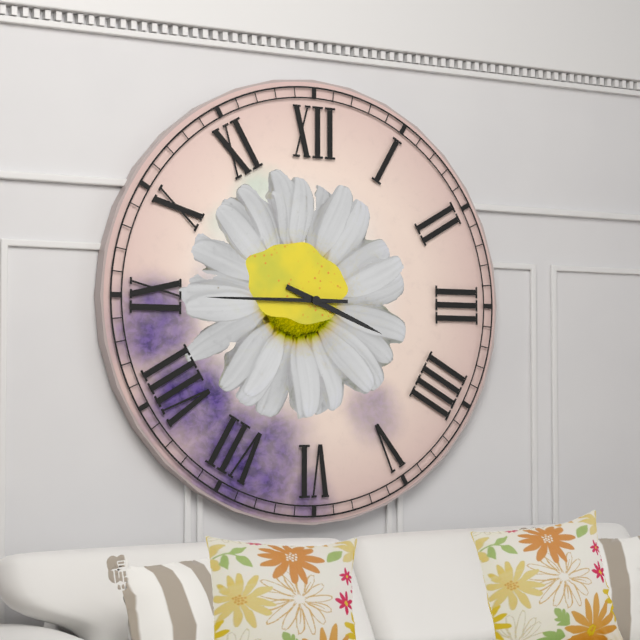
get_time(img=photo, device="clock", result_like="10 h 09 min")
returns 3 h 45 min
